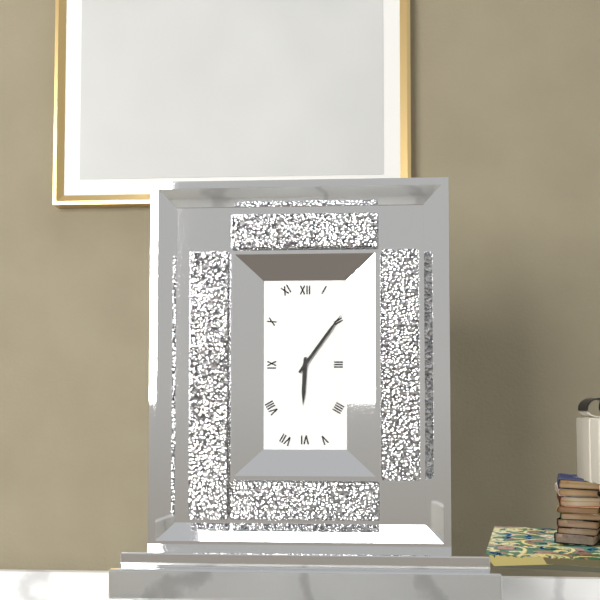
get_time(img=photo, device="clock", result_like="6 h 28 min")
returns 6 h 06 min
